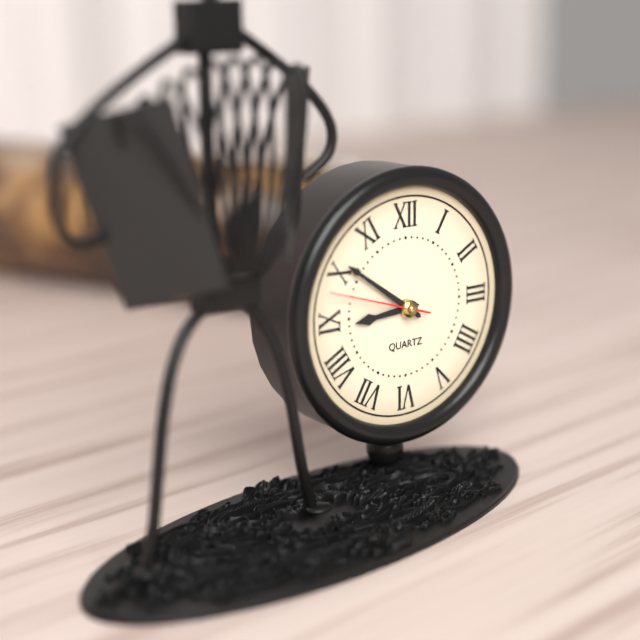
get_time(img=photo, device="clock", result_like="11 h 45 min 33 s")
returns 8 h 51 min 48 s
